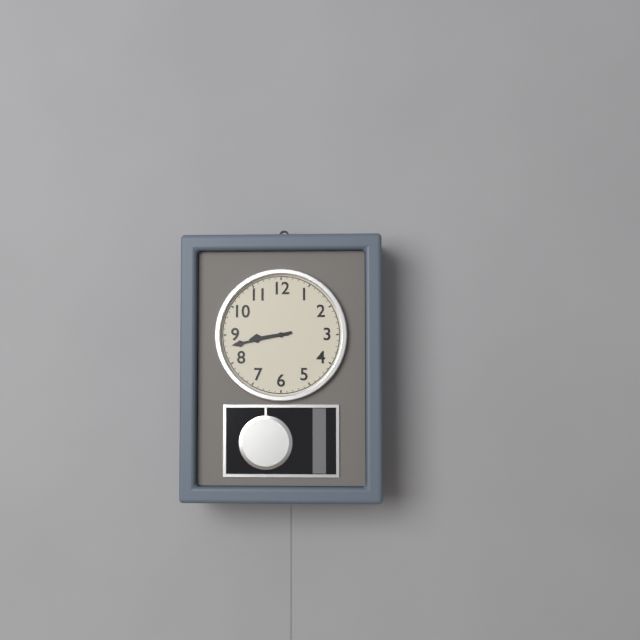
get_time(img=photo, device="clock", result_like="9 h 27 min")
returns 8 h 43 min
